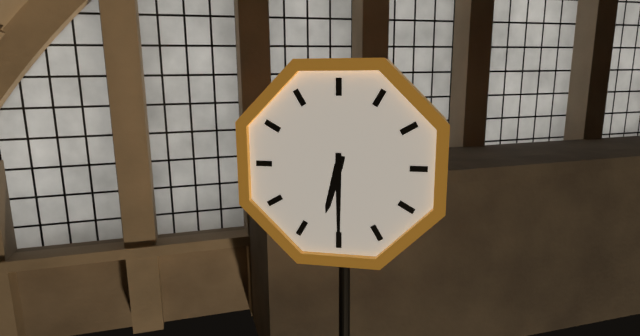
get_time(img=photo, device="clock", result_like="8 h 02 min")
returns 6 h 30 min
